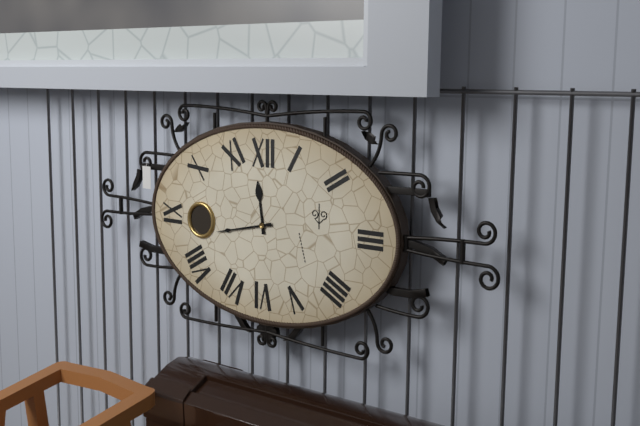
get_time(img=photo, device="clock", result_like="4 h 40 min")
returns 11 h 43 min
